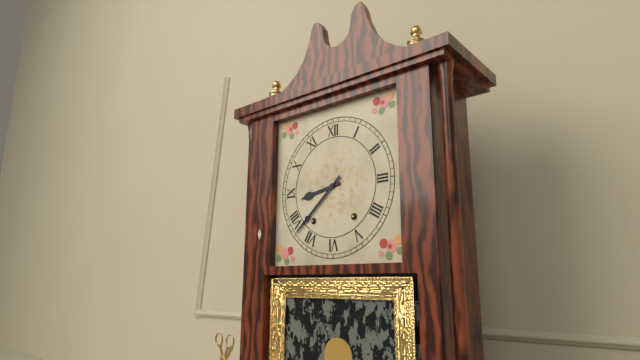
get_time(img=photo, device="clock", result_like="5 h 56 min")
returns 8 h 38 min
